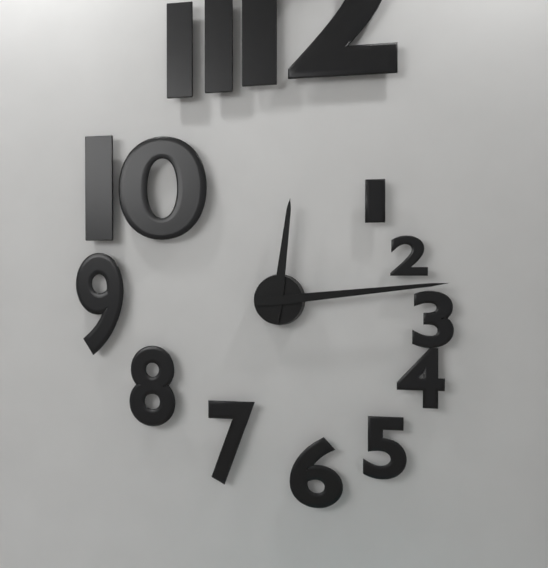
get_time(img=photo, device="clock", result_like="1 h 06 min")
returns 12 h 14 min
